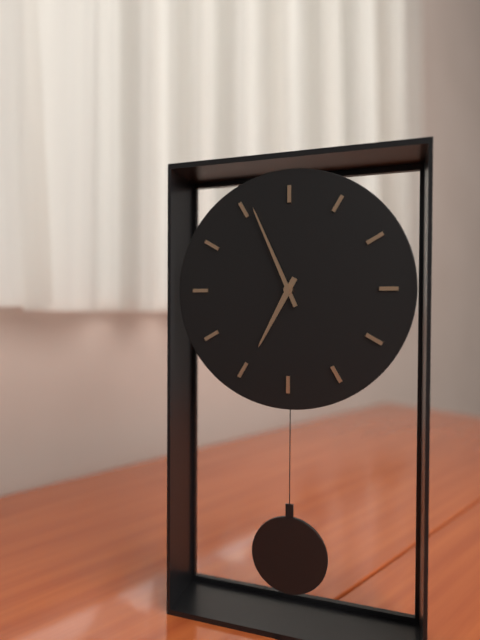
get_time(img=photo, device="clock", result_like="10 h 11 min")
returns 6 h 56 min
